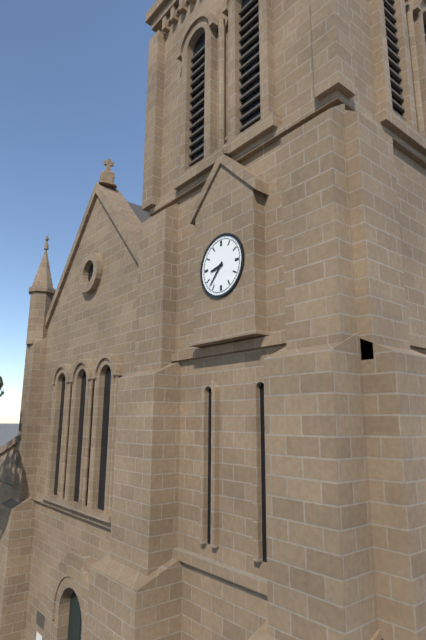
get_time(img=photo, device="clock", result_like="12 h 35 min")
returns 8 h 37 min
